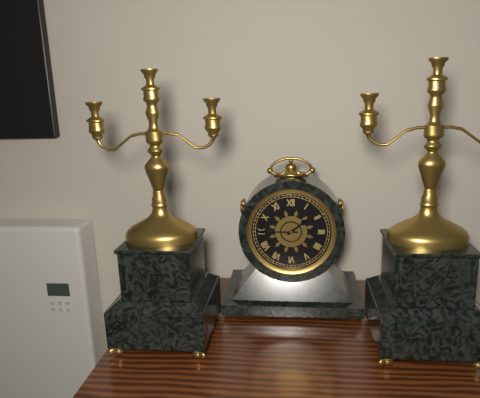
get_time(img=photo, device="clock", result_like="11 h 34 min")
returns 1 h 45 min
